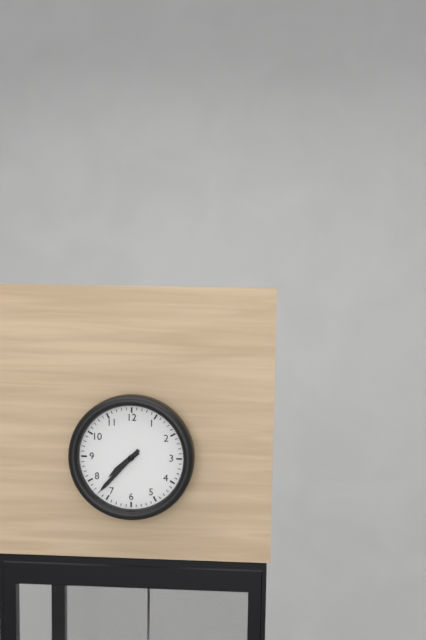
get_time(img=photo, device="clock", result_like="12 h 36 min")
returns 7 h 37 min
